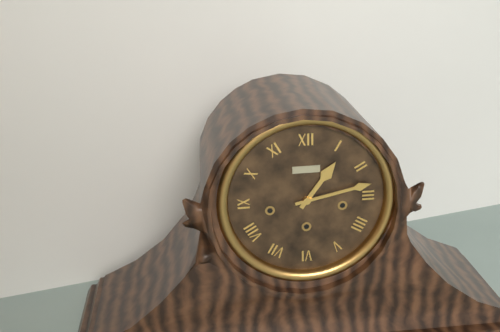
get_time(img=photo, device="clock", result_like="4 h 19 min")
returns 1 h 13 min
